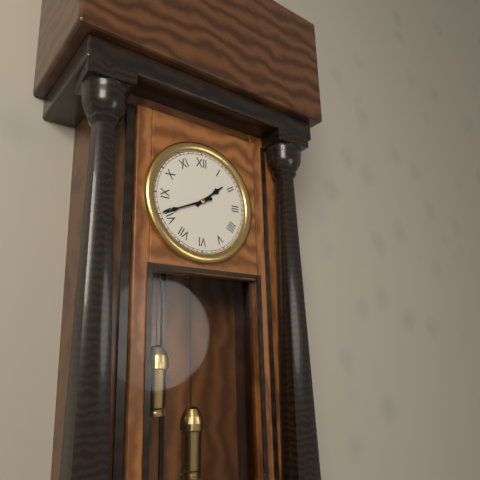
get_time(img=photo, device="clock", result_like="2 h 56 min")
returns 1 h 41 min
